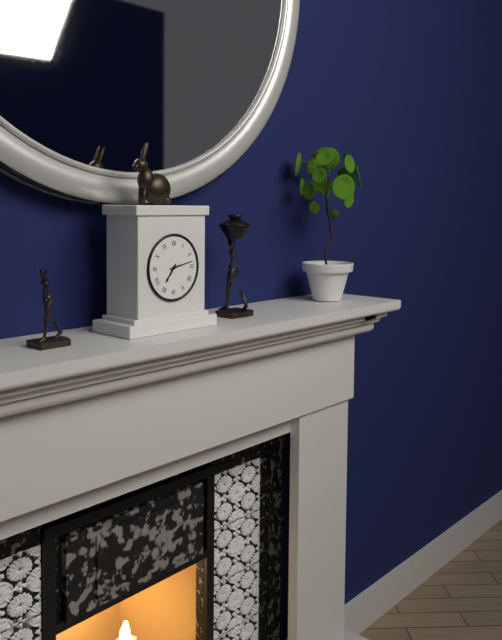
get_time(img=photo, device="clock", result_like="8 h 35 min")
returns 7 h 13 min
